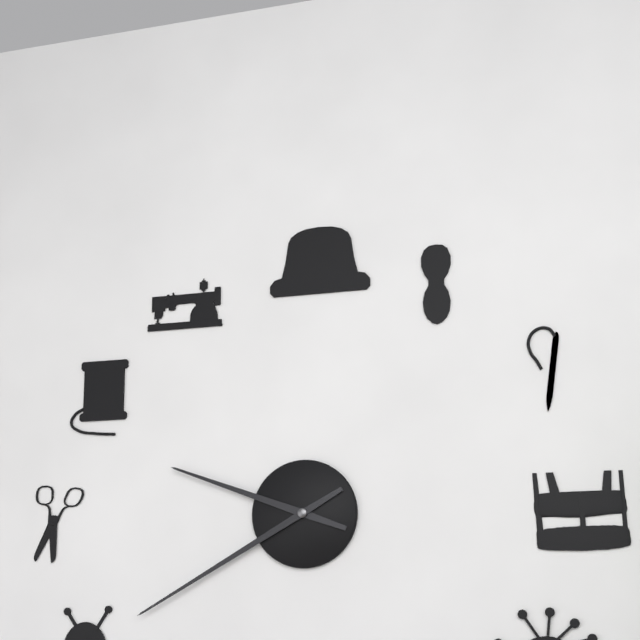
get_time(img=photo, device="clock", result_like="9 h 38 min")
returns 9 h 40 min
